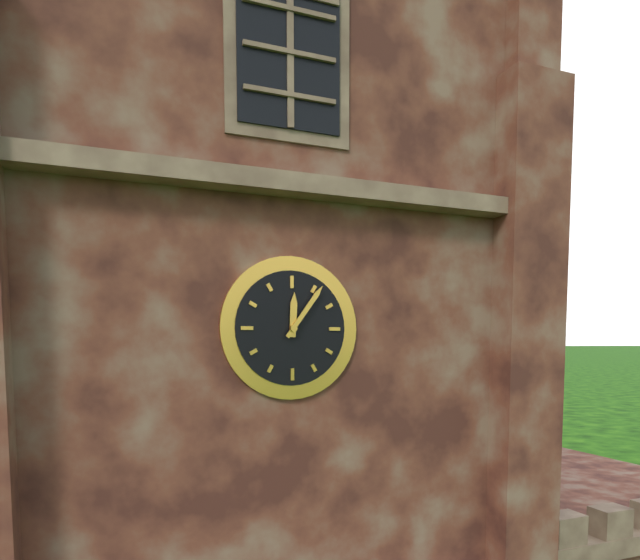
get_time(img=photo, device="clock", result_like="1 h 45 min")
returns 12 h 06 min
